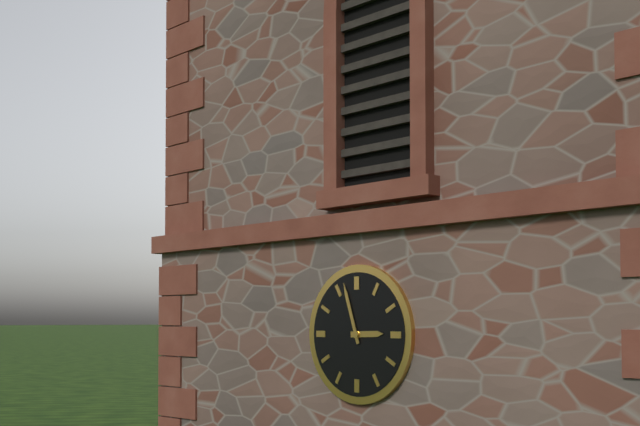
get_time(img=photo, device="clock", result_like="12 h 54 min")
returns 2 h 57 min
